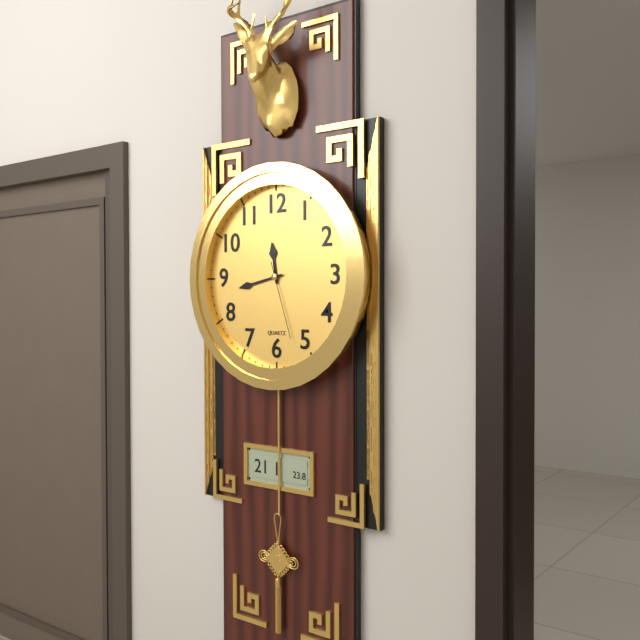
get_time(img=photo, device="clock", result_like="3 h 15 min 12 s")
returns 11 h 43 min 27 s
